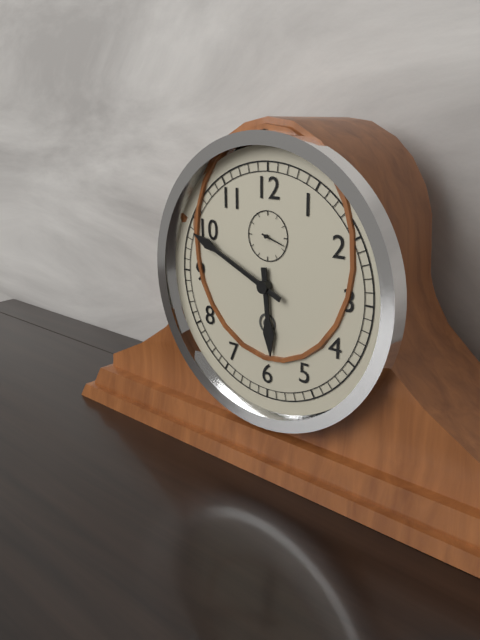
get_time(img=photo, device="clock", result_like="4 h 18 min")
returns 5 h 49 min
